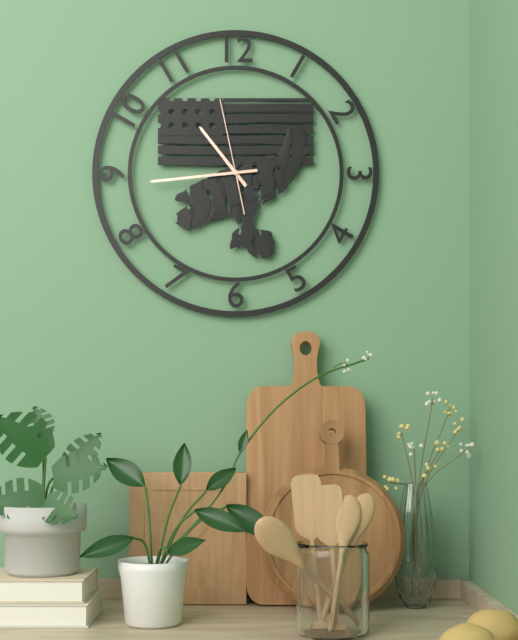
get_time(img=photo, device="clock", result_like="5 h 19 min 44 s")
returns 10 h 44 min 58 s
